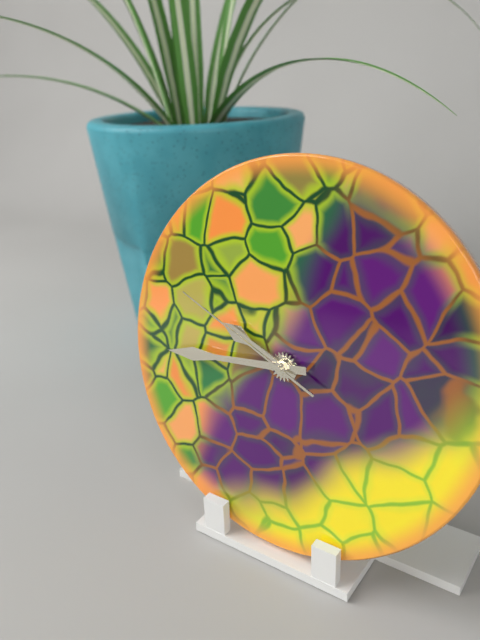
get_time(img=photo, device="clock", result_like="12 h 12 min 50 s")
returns 9 h 44 min 49 s
